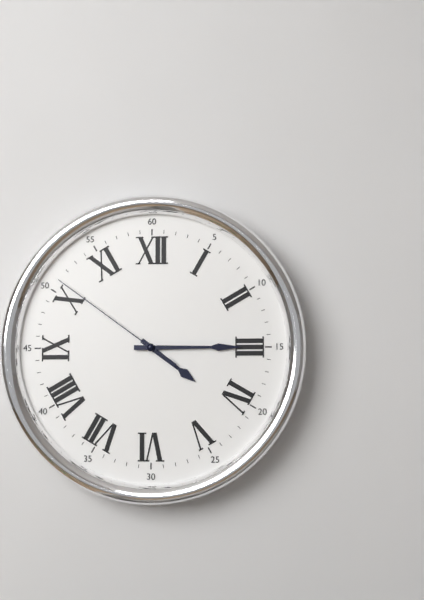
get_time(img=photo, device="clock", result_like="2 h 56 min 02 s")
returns 4 h 15 min 51 s
